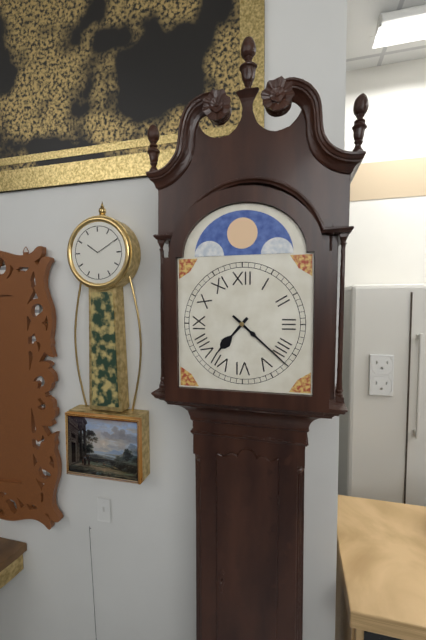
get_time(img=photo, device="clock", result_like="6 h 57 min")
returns 7 h 22 min
